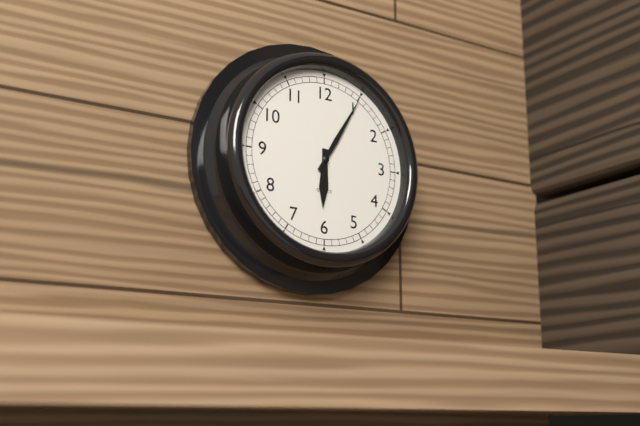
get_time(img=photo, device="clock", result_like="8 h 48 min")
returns 6 h 05 min
